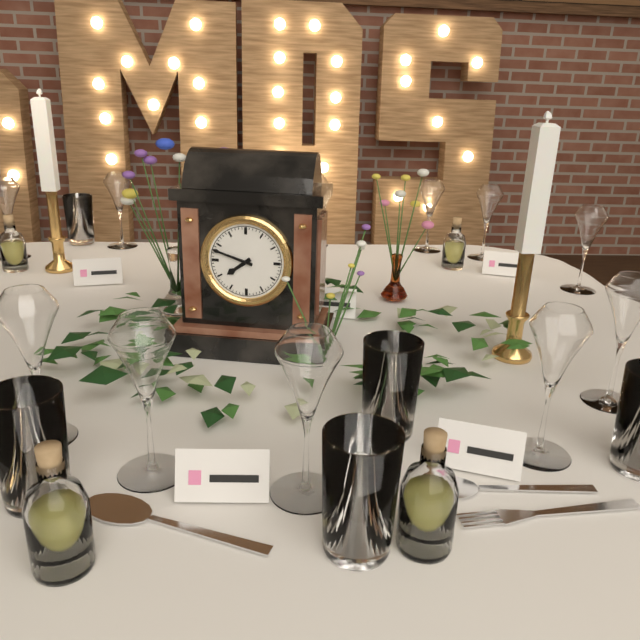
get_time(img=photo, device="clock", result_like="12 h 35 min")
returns 7 h 48 min
